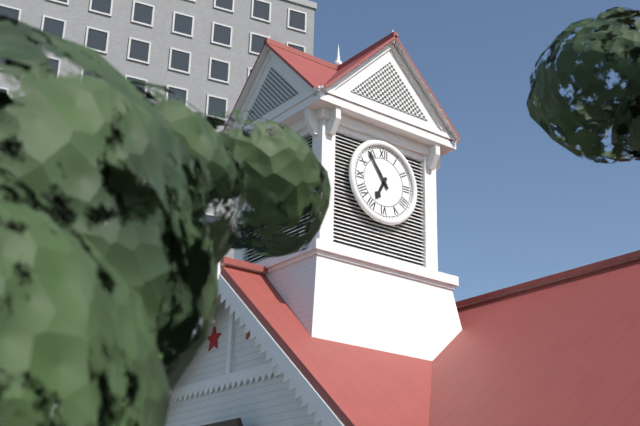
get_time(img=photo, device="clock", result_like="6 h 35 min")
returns 6 h 54 min
